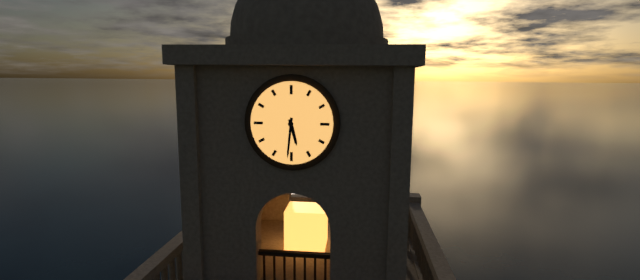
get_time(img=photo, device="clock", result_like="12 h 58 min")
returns 5 h 31 min
